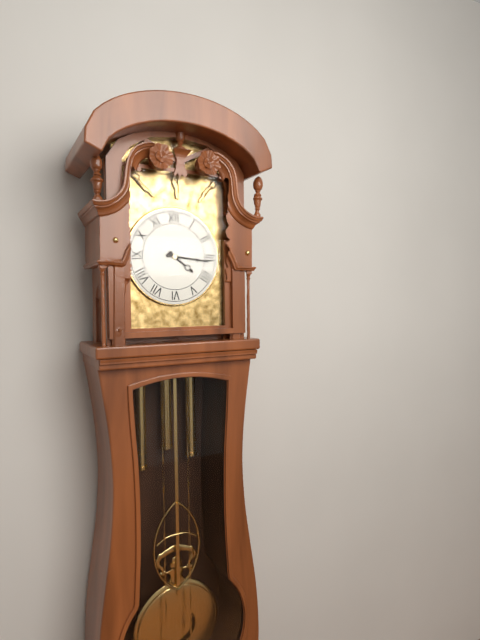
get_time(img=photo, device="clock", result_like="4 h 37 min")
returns 4 h 16 min
